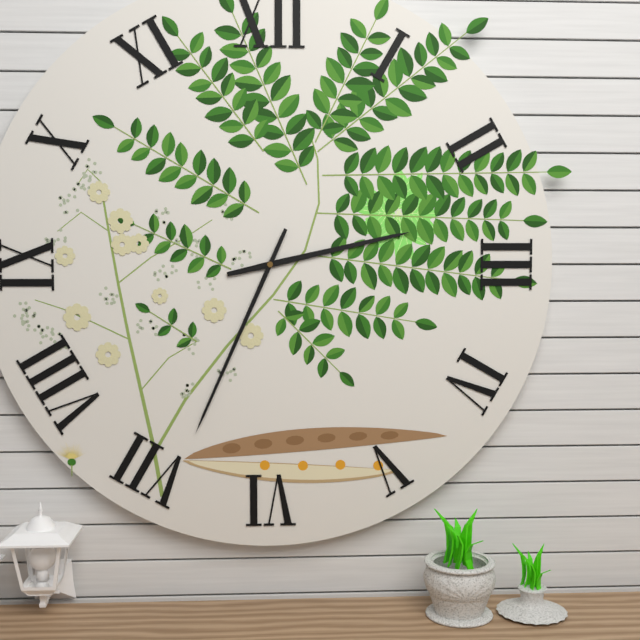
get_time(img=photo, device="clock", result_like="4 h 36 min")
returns 2 h 34 min
